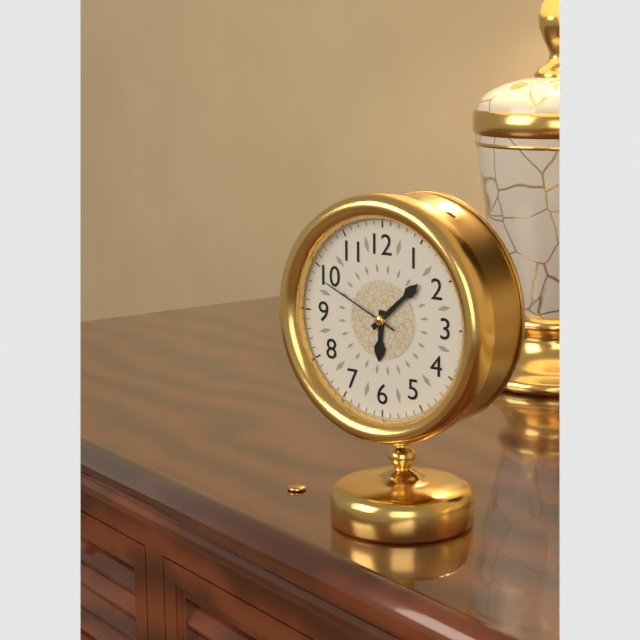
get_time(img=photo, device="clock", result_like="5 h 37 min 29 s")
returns 6 h 08 min 49 s
